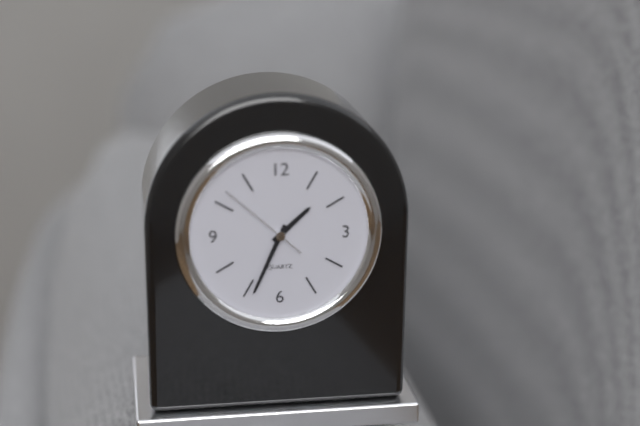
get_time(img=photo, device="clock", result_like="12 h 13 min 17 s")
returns 1 h 34 min 52 s
